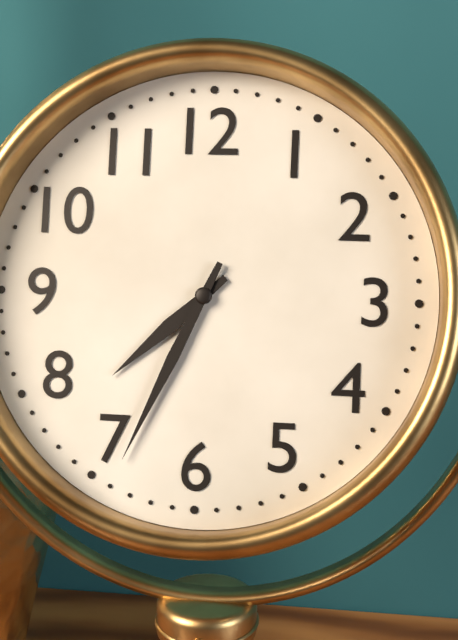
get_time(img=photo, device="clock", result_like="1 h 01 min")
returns 7 h 34 min
